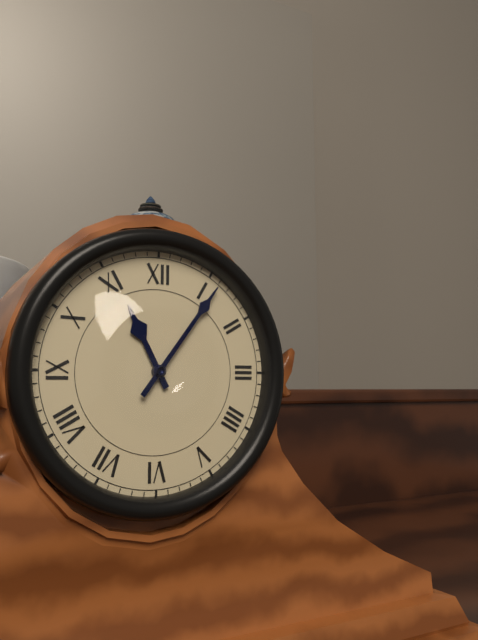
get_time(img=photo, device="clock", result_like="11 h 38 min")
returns 11 h 06 min
